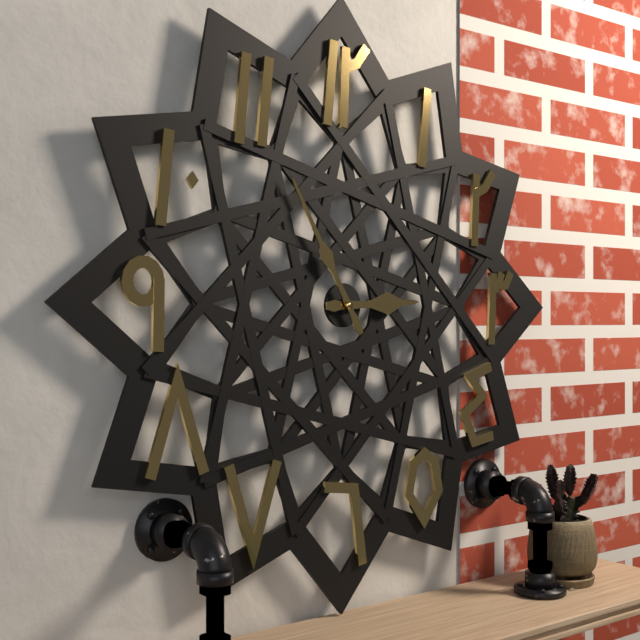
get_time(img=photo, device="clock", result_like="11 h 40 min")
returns 2 h 55 min
